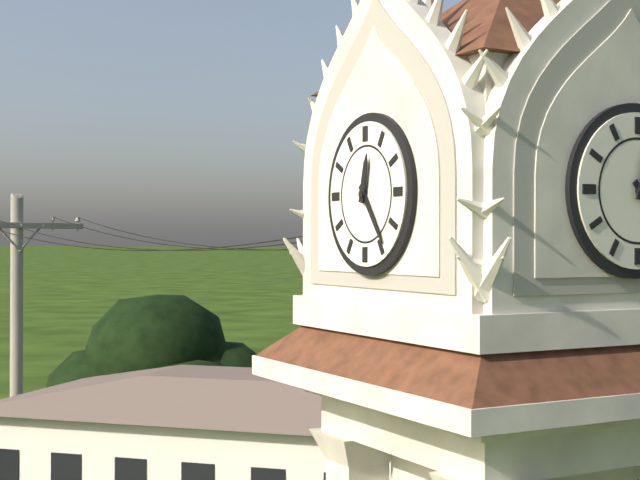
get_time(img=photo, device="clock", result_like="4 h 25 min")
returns 12 h 24 min
